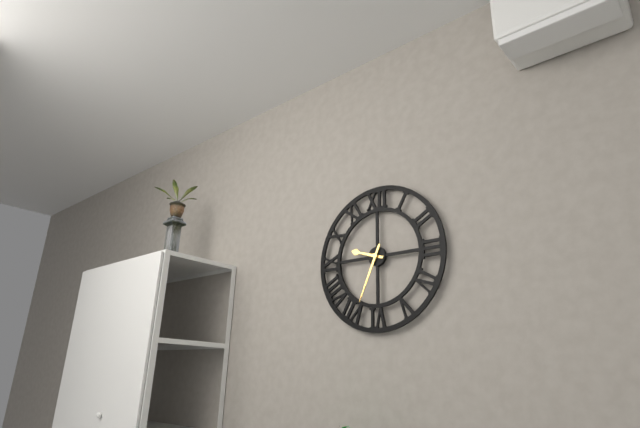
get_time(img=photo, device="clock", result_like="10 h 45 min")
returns 9 h 34 min
